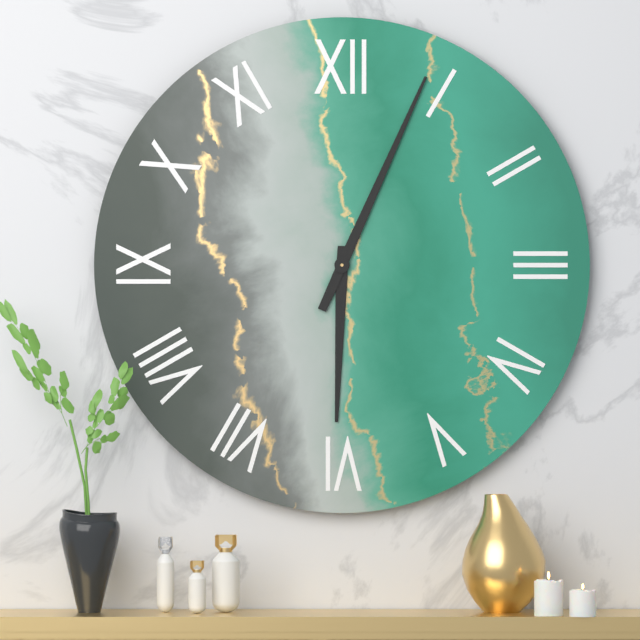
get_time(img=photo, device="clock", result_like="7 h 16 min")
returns 6 h 04 min
